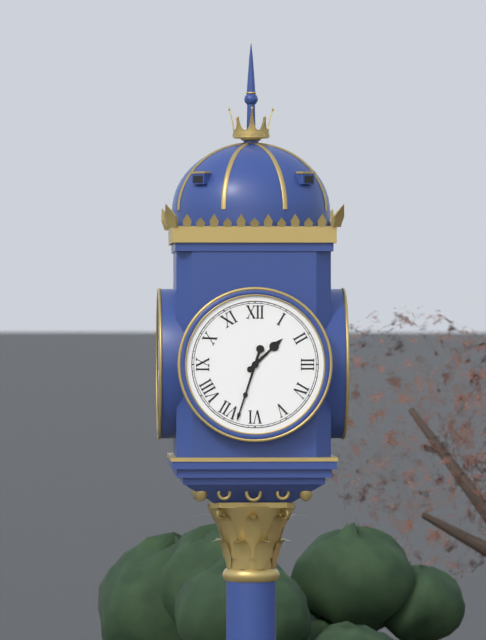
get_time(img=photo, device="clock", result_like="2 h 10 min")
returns 1 h 33 min
